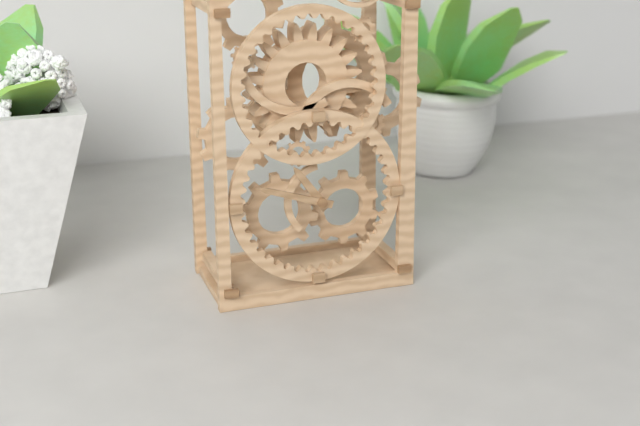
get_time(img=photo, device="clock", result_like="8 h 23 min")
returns 10 h 48 min
